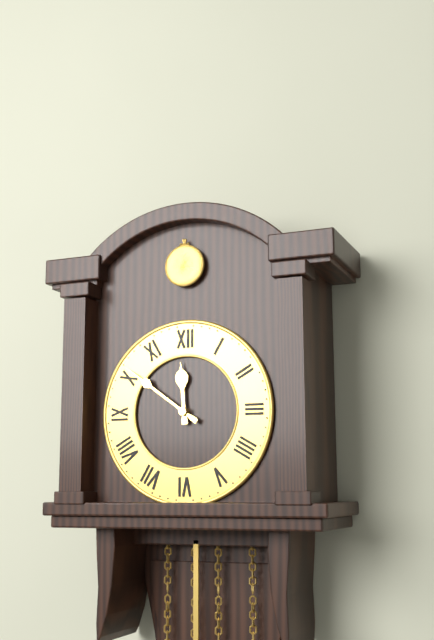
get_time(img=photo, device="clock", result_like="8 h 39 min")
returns 11 h 51 min
